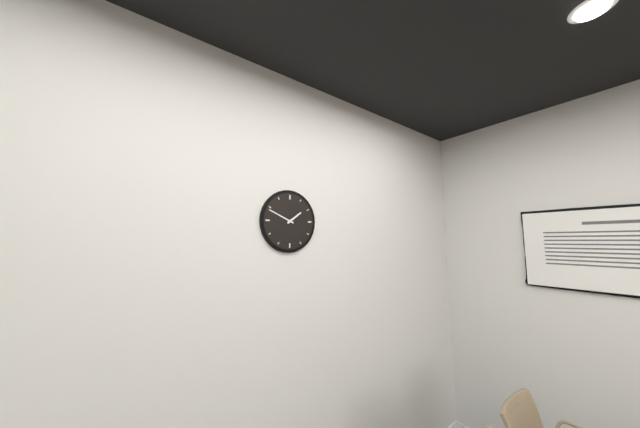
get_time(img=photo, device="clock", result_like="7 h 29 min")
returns 1 h 49 min
